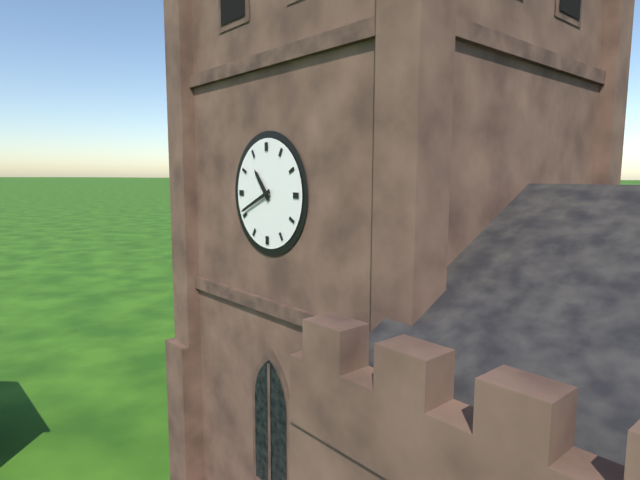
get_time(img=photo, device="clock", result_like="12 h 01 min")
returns 10 h 41 min
